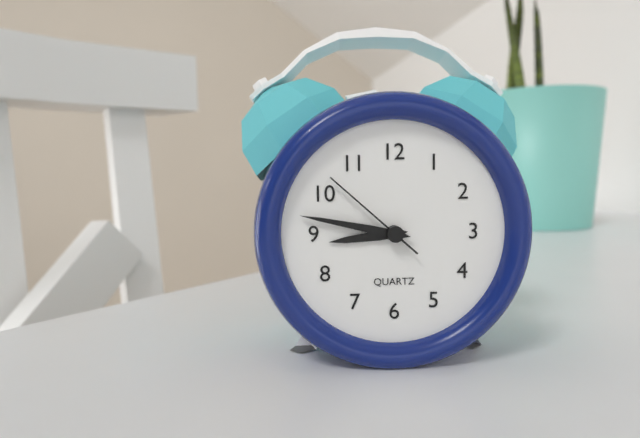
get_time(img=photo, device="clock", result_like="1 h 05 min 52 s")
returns 8 h 47 min 52 s
